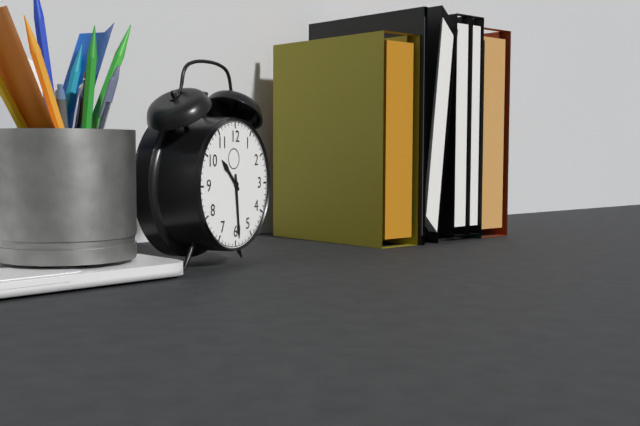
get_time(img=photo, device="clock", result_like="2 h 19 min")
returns 10 h 29 min
